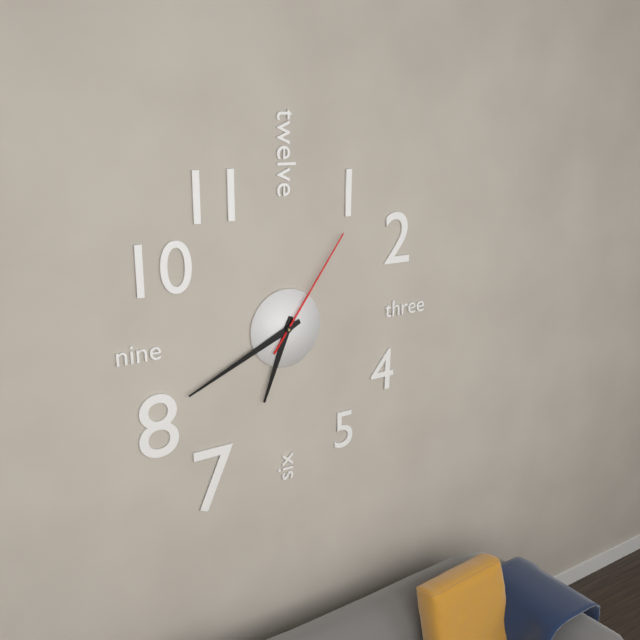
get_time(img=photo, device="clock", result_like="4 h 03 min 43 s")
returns 6 h 41 min 06 s
